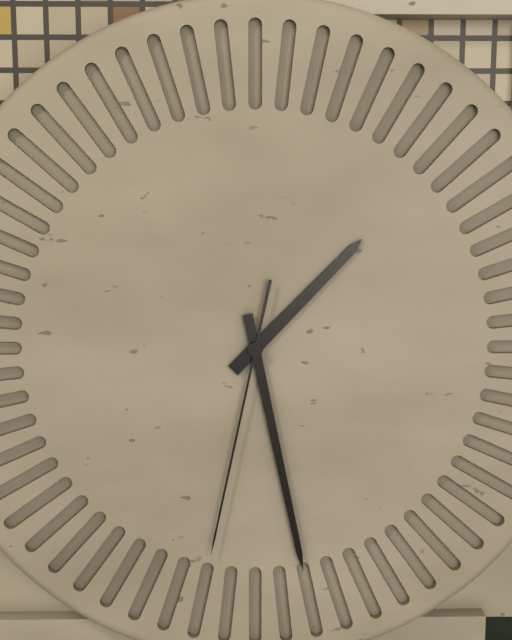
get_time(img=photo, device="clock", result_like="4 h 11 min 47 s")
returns 1 h 28 min 32 s
